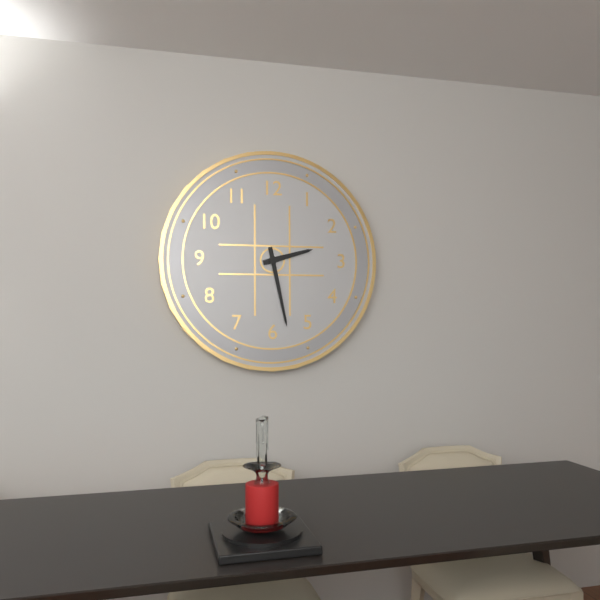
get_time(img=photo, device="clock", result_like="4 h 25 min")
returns 2 h 28 min
